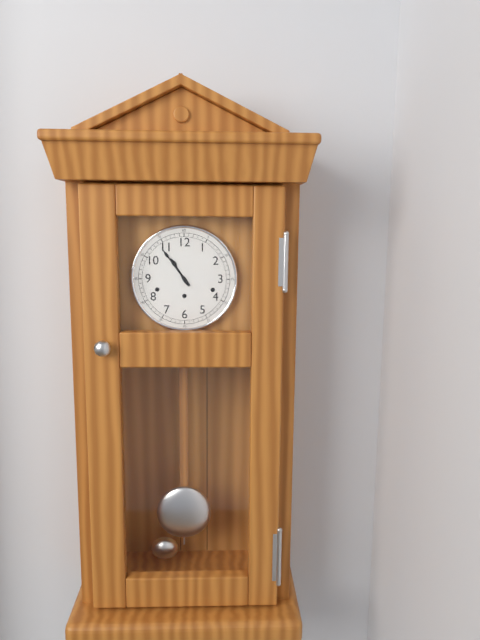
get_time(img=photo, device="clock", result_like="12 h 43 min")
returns 10 h 54 min
